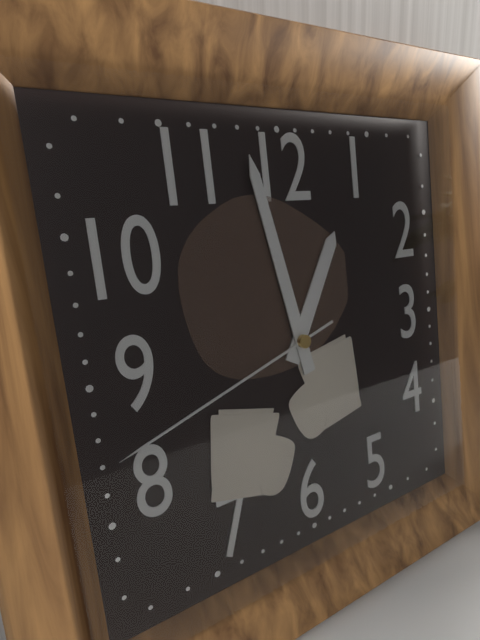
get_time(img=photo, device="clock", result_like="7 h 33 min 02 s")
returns 12 h 58 min 42 s
